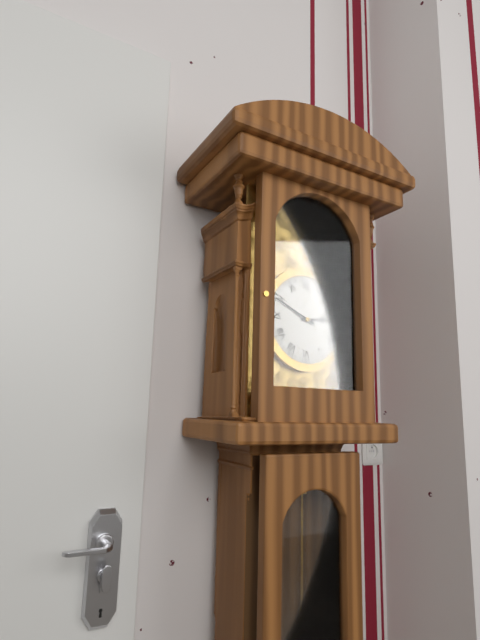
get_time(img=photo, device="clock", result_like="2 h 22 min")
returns 2 h 49 min
